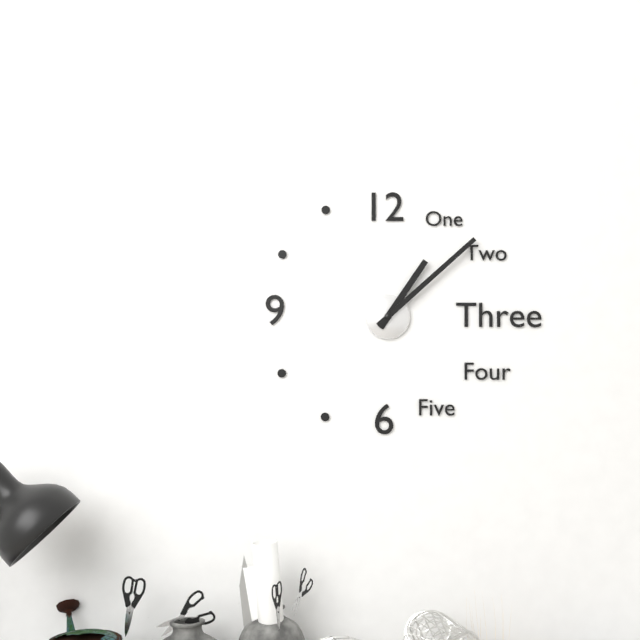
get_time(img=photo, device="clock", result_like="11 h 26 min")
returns 1 h 08 min
